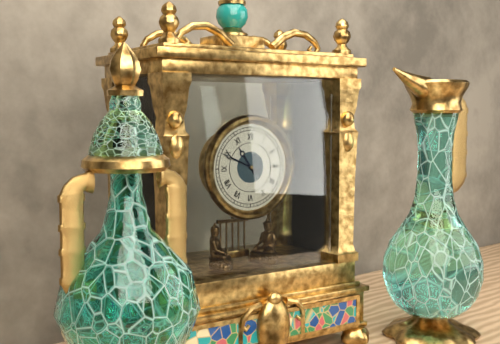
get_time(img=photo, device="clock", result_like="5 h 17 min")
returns 10 h 49 min
